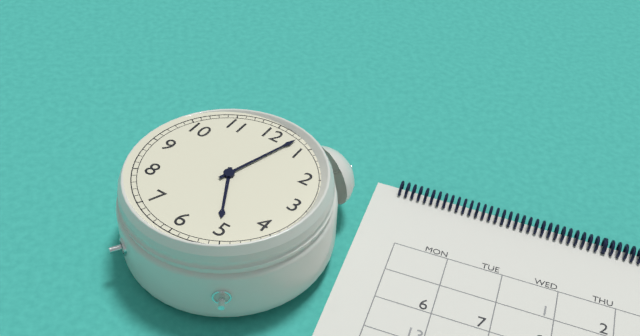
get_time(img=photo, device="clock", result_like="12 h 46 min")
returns 5 h 03 min
